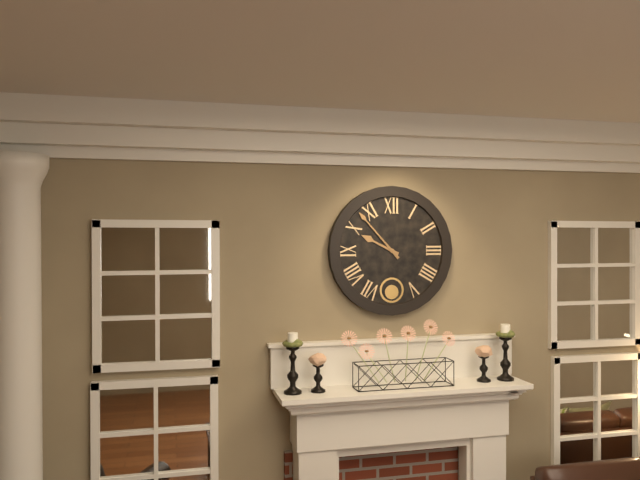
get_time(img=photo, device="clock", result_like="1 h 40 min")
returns 9 h 53 min
